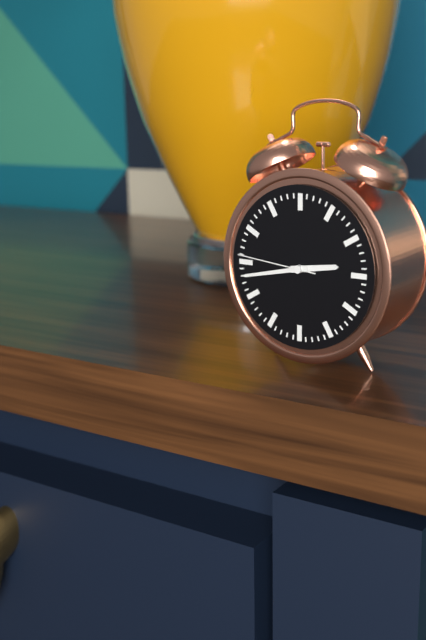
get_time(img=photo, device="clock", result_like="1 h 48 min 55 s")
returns 2 h 43 min 46 s
